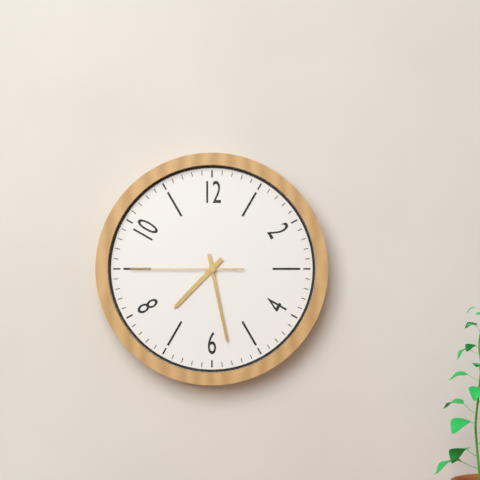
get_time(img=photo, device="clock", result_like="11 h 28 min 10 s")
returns 7 h 28 min 45 s
